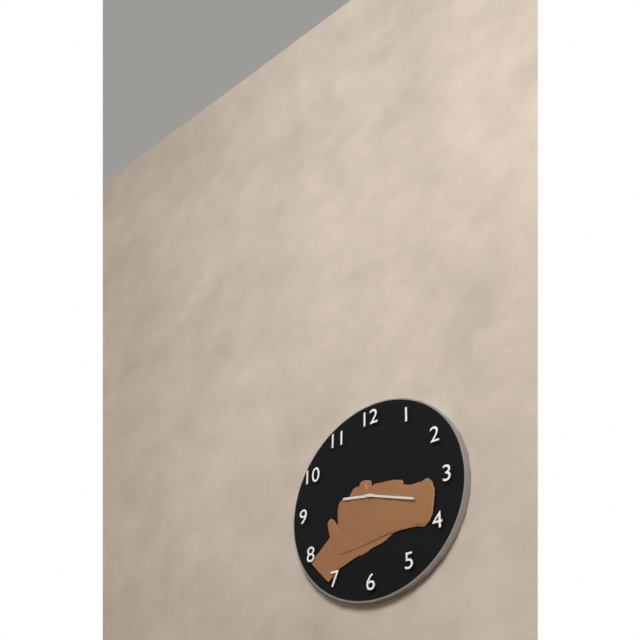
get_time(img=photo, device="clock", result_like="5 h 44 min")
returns 9 h 18 min
